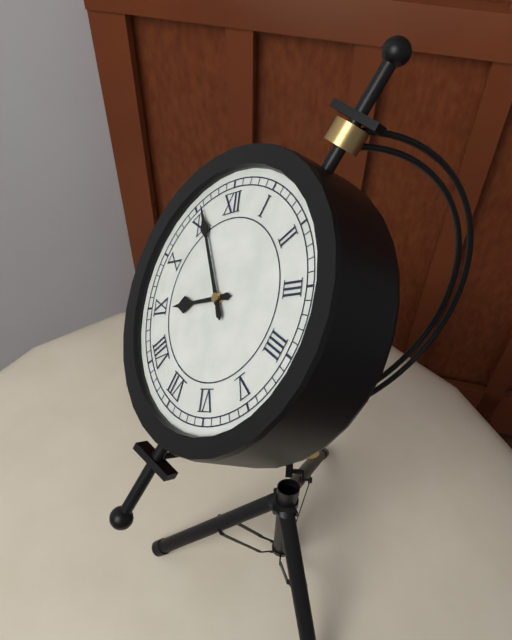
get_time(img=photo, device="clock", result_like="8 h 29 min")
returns 8 h 56 min
